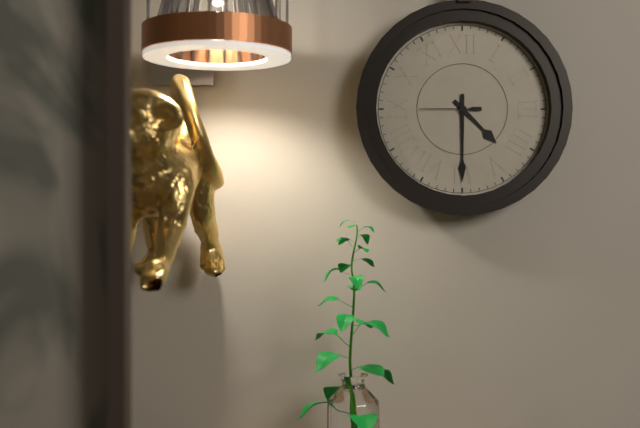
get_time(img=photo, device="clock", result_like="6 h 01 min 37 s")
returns 4 h 30 min 45 s
